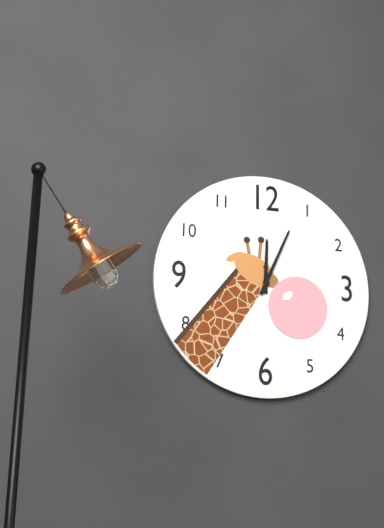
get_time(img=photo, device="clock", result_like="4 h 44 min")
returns 12 h 04 min
